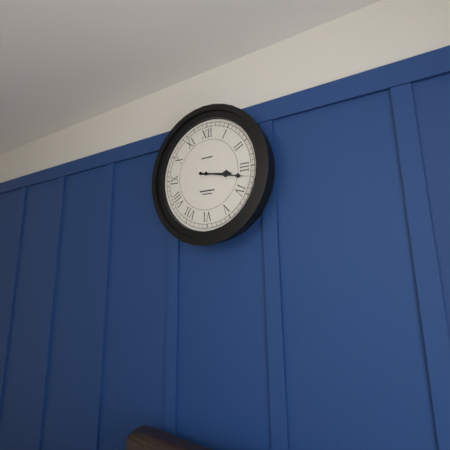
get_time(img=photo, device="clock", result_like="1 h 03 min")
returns 3 h 17 min
